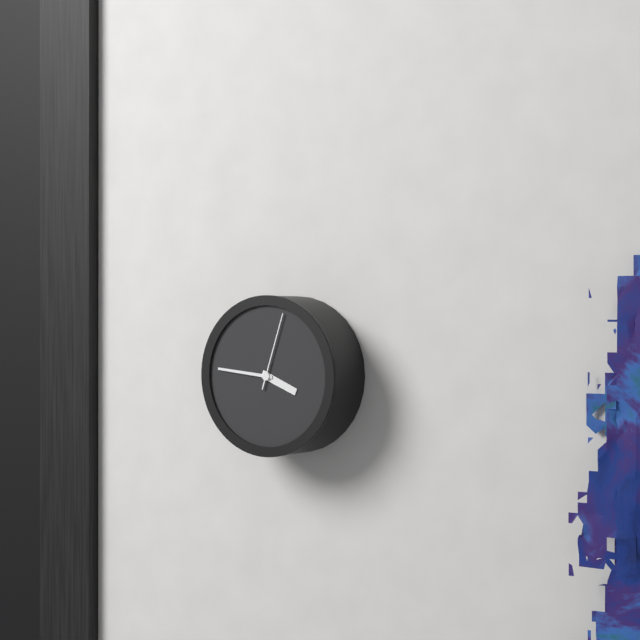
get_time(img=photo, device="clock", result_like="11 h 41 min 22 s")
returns 3 h 46 min 03 s
